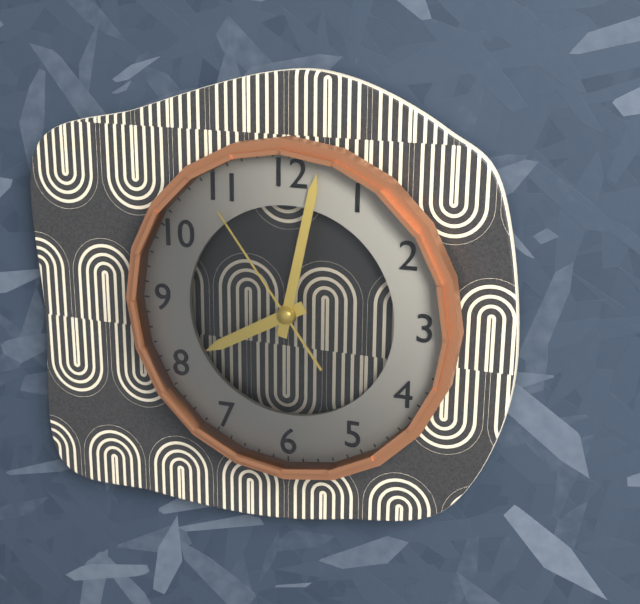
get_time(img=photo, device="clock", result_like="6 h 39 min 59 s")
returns 8 h 02 min 54 s
